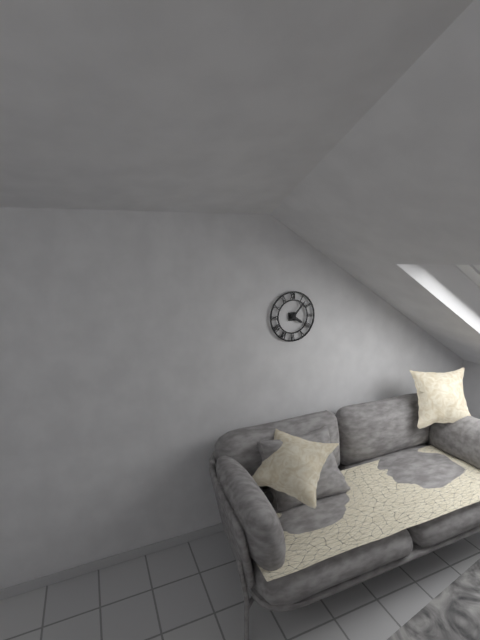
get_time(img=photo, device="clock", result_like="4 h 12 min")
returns 4 h 07 min
